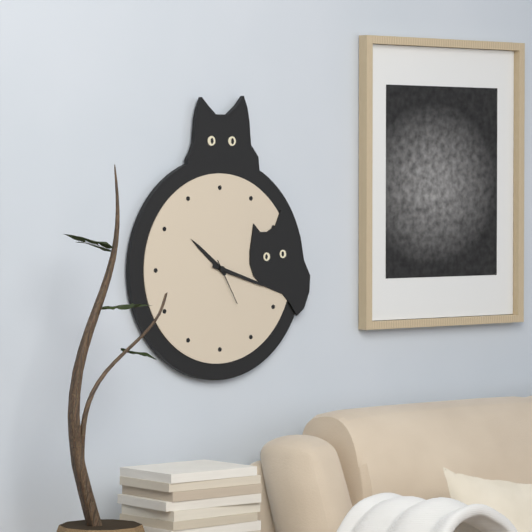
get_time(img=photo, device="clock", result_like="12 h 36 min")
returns 10 h 18 min
